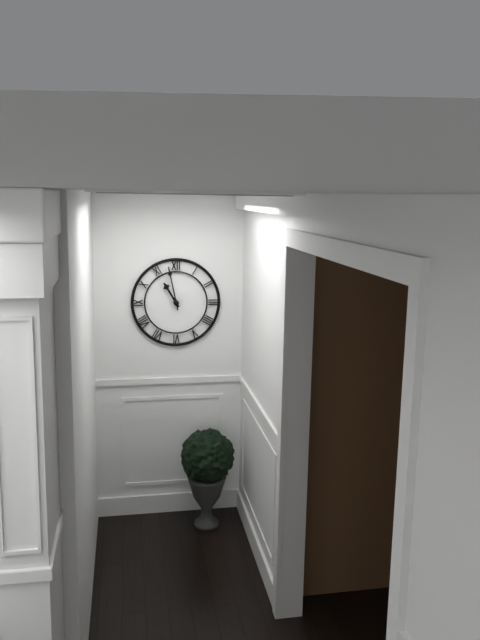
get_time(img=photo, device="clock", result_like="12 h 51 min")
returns 10 h 58 min
